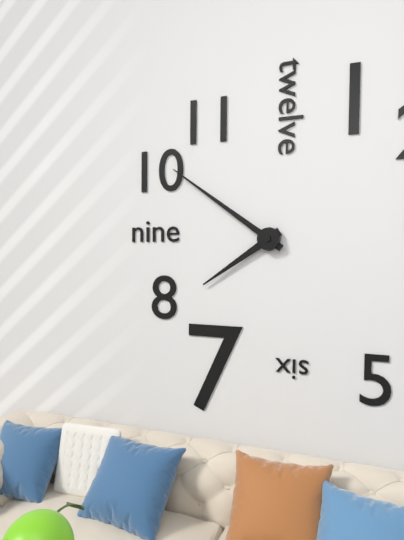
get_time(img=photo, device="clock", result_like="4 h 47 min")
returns 7 h 51 min
